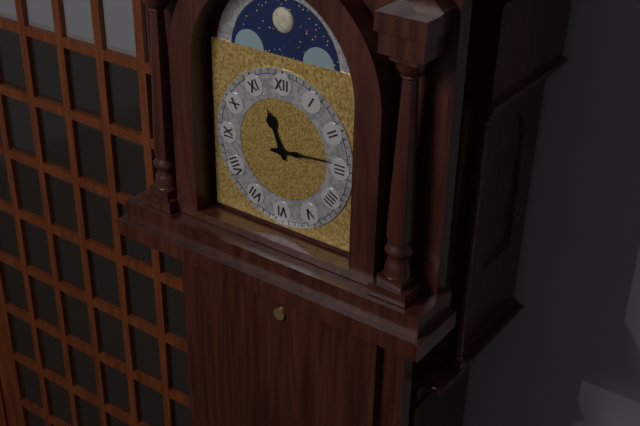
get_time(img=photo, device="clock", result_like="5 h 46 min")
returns 11 h 14 min
